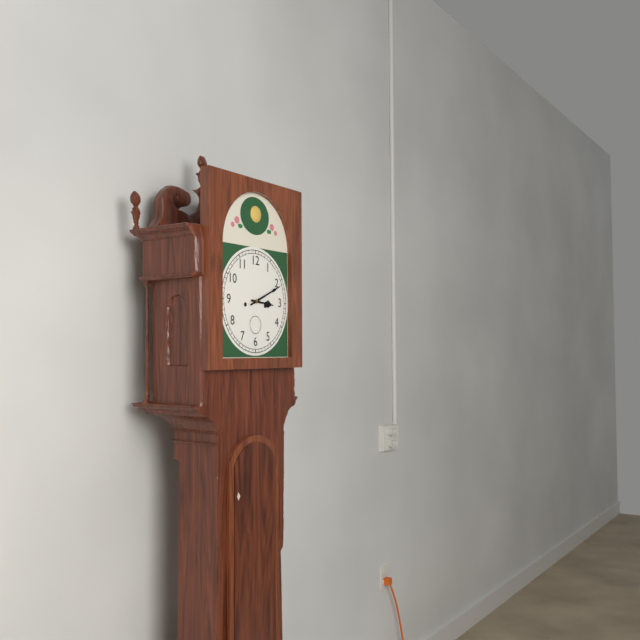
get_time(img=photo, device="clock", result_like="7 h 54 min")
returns 3 h 11 min
